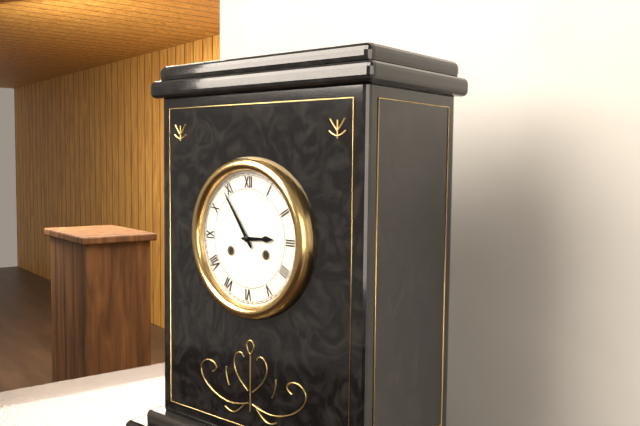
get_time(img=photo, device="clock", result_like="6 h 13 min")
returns 2 h 54 min
